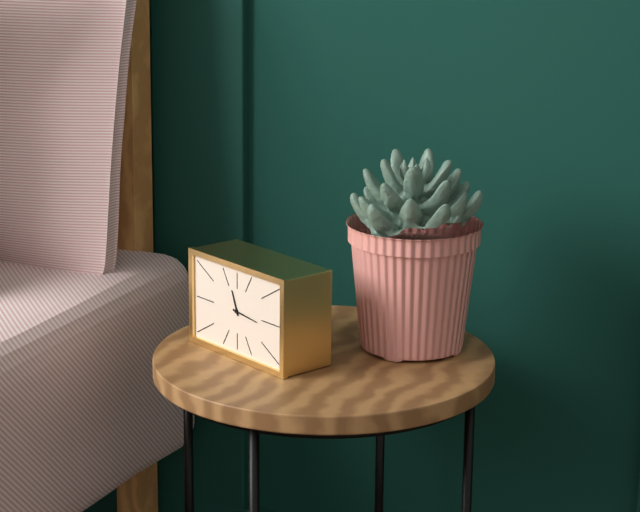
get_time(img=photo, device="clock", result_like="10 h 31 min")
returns 11 h 16 min
